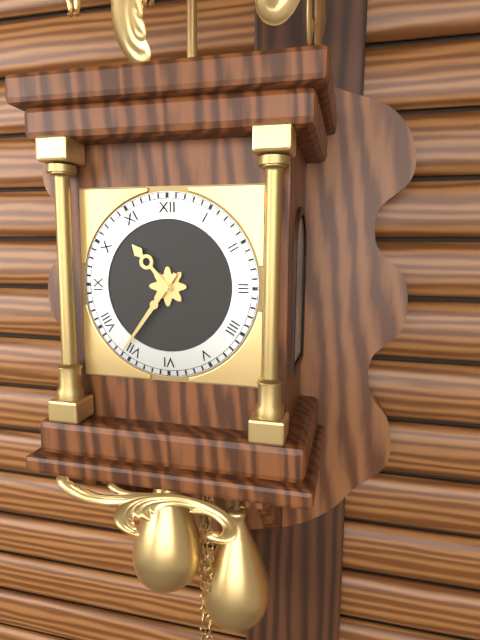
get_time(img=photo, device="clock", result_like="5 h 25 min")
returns 10 h 36 min
